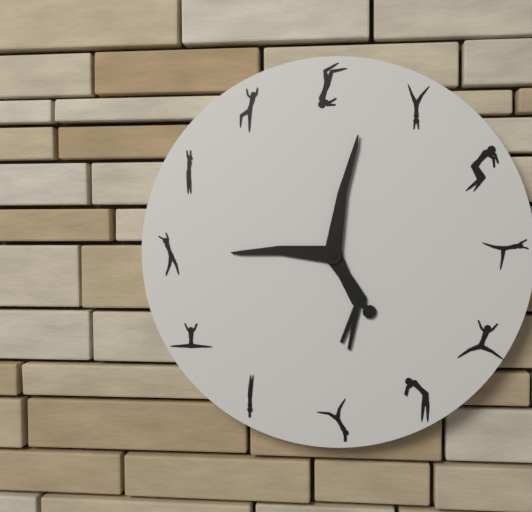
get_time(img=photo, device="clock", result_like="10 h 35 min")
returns 9 h 02 min
